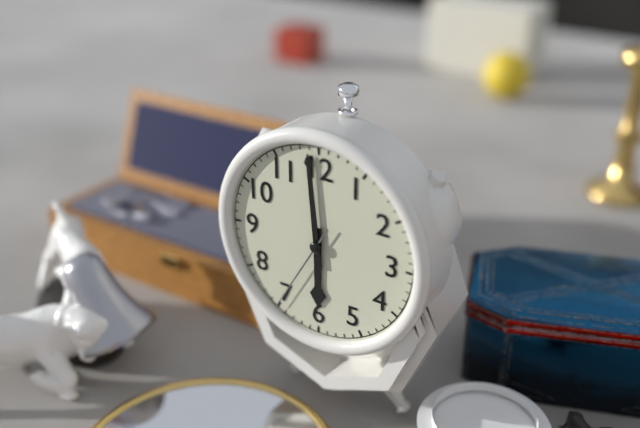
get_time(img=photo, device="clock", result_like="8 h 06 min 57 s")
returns 5 h 59 min 35 s
